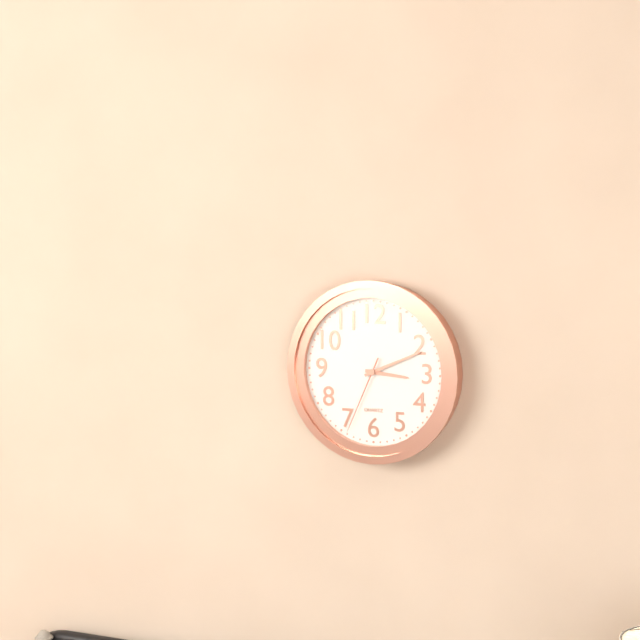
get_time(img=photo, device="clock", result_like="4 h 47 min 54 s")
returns 3 h 11 min 34 s
